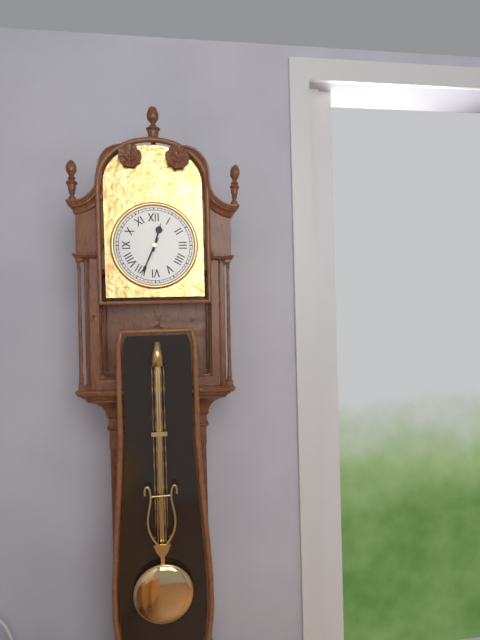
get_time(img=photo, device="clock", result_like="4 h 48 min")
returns 12 h 34 min
